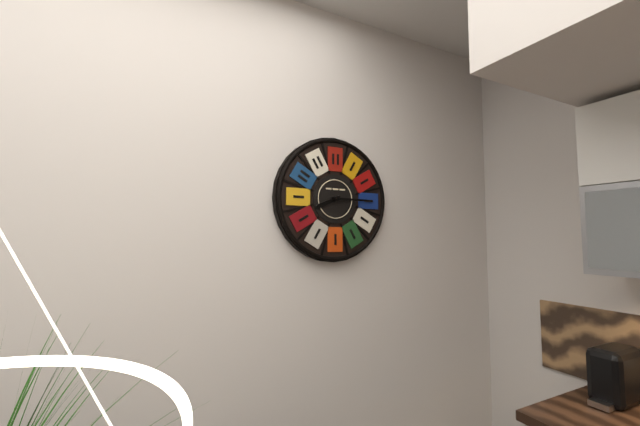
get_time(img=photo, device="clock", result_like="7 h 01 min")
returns 8 h 15 min
